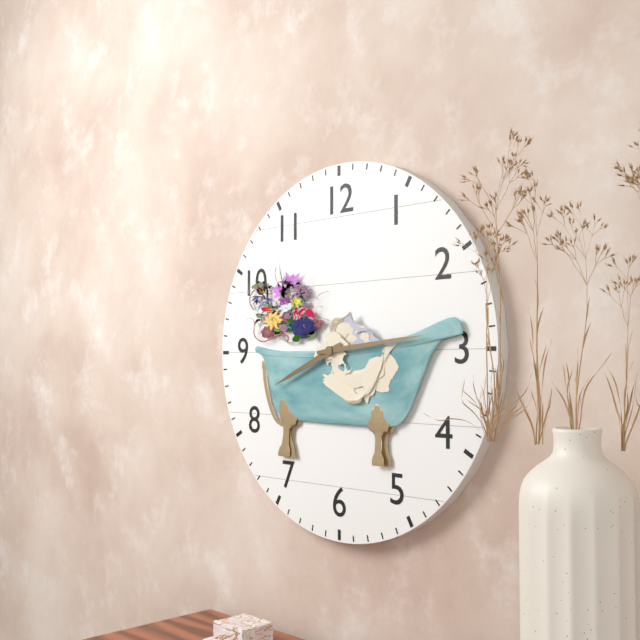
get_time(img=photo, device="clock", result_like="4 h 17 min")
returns 8 h 14 min
